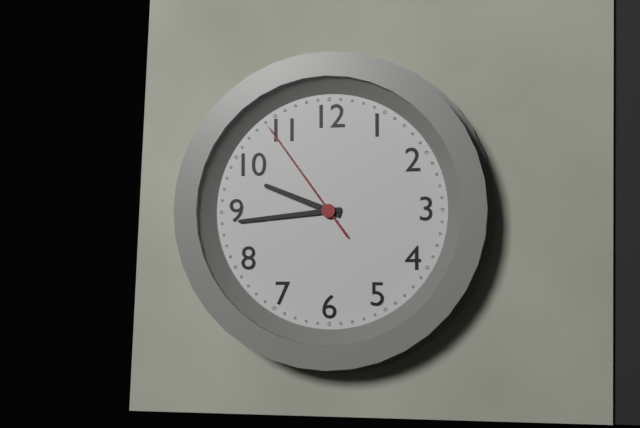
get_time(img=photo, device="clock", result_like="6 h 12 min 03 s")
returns 9 h 44 min 54 s
